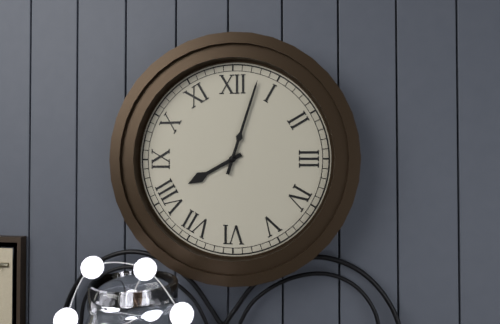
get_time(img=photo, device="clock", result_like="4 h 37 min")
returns 8 h 03 min
